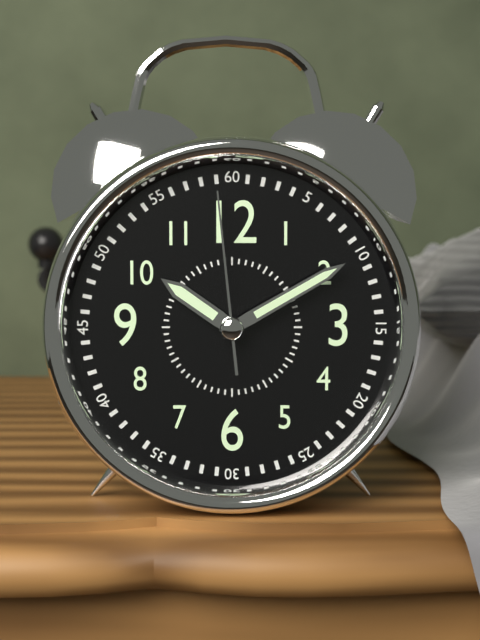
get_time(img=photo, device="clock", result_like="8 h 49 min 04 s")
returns 10 h 10 min 59 s
